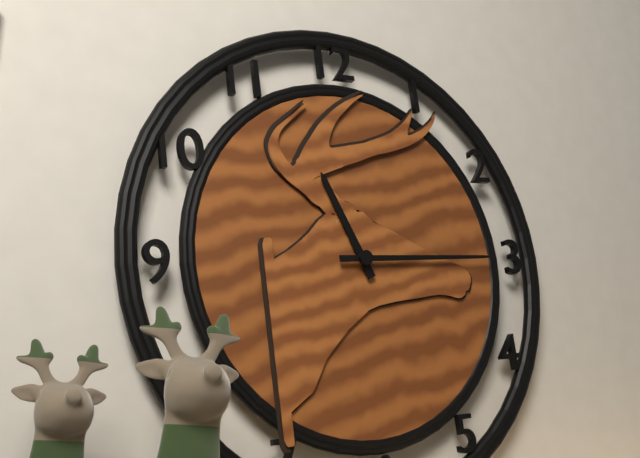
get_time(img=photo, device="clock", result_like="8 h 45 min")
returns 11 h 15 min
